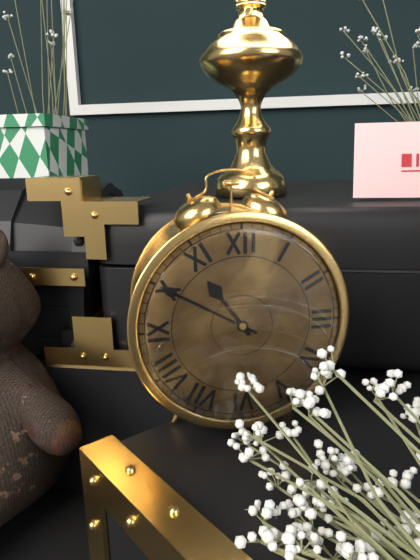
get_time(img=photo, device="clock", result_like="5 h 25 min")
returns 10 h 50 min
